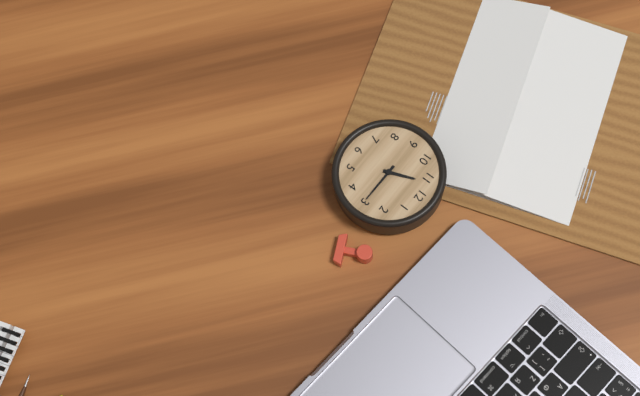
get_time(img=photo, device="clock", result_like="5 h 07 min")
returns 11 h 15 min
